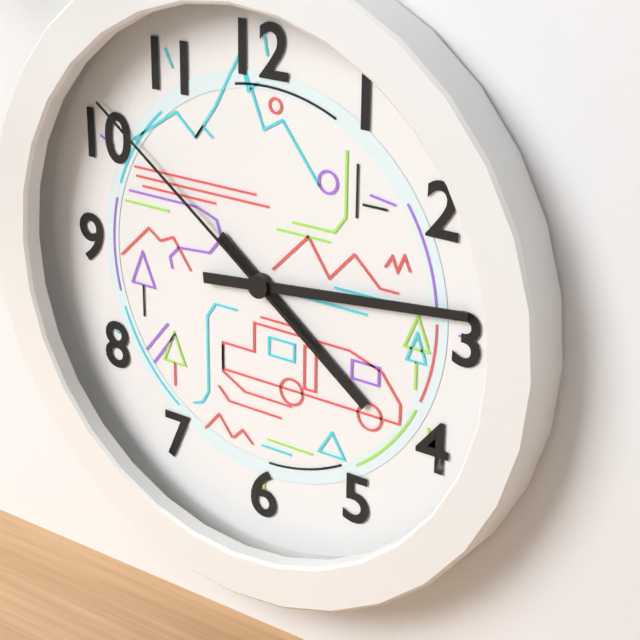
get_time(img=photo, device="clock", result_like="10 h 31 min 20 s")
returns 4 h 14 min 51 s
